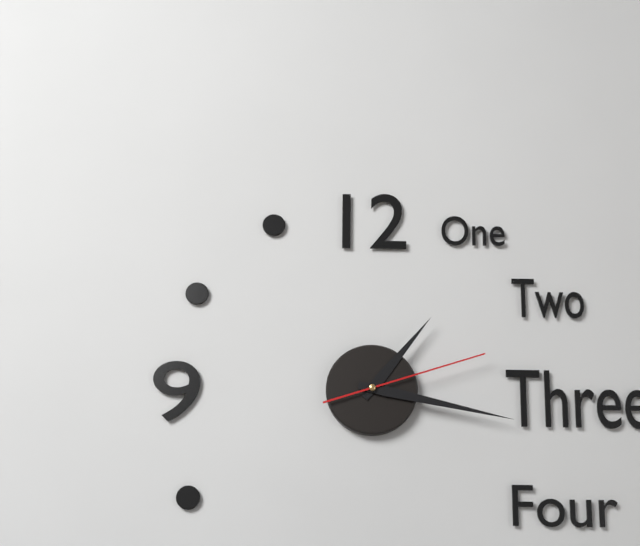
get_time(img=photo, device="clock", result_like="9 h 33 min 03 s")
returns 1 h 17 min 12 s
